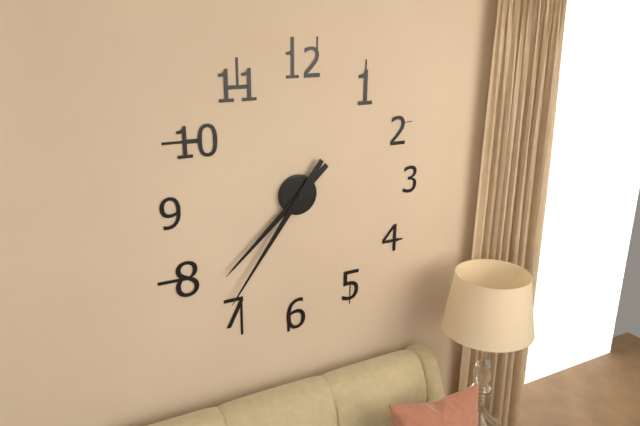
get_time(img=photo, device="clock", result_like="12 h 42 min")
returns 7 h 36 min
